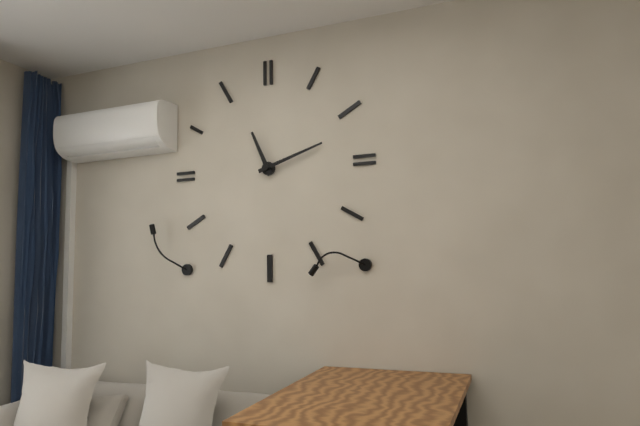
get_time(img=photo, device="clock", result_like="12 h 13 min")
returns 11 h 12 min
